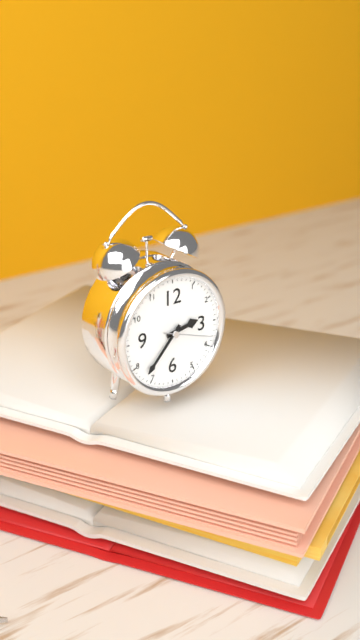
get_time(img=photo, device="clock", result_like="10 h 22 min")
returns 2 h 37 min
